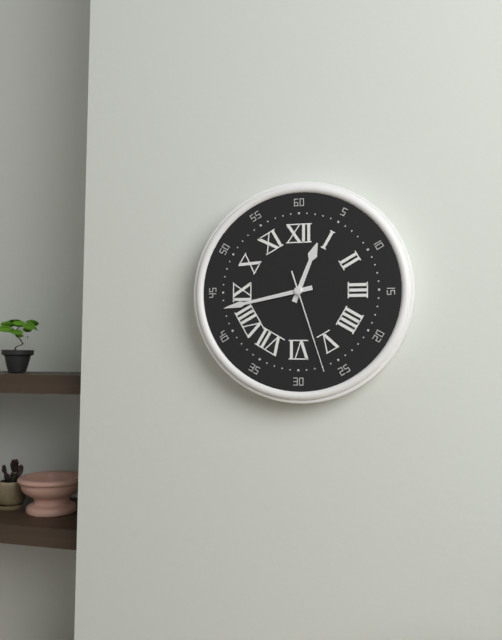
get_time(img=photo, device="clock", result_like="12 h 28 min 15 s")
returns 12 h 43 min 27 s
